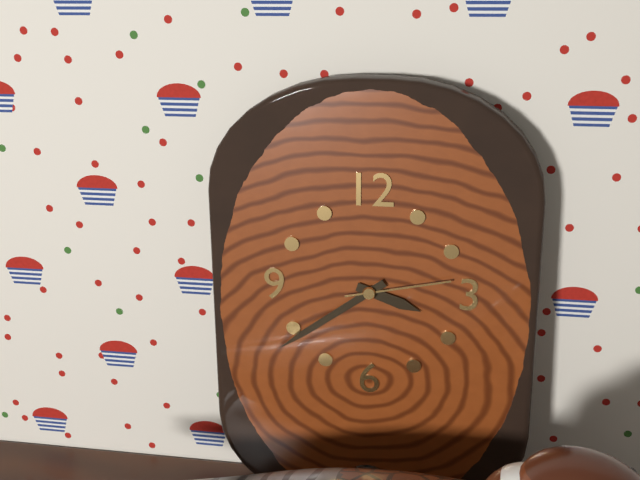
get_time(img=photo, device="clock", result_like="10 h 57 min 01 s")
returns 3 h 39 min 13 s
